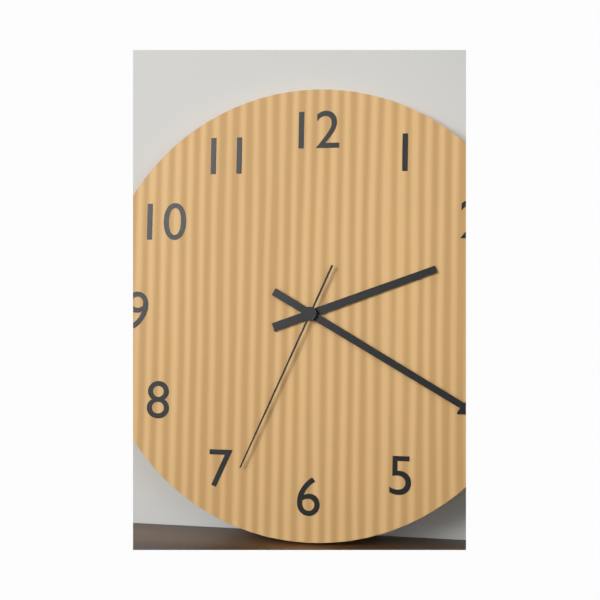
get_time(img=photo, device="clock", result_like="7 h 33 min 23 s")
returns 2 h 20 min 34 s
